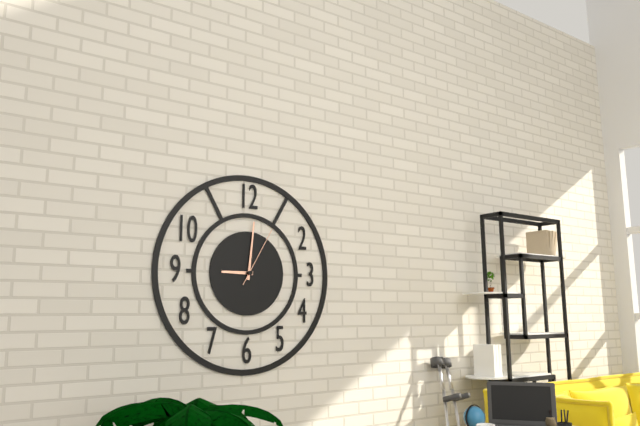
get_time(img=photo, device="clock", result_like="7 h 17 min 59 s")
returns 9 h 01 min 05 s
